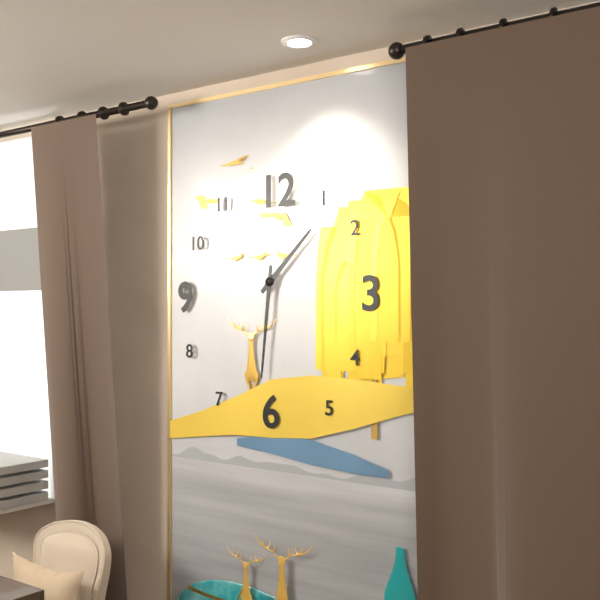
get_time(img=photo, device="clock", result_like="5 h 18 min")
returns 1 h 31 min
